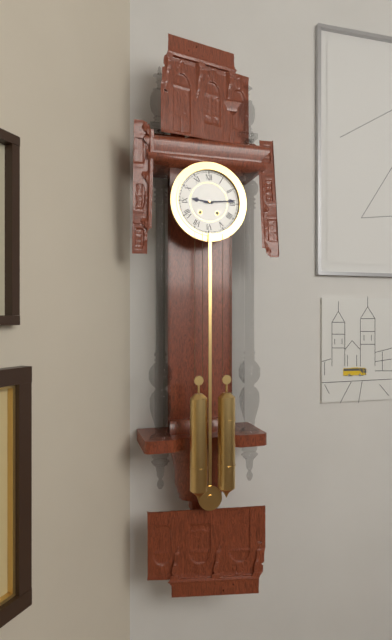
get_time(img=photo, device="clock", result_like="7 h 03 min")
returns 9 h 14 min
